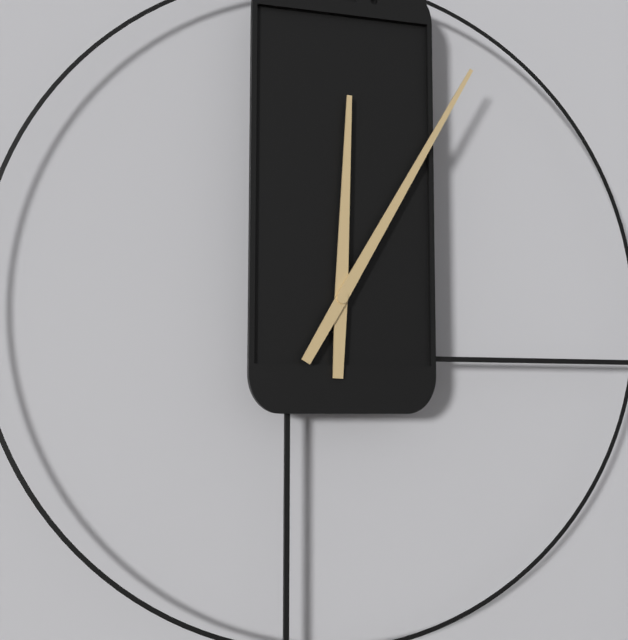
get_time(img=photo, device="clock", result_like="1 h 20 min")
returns 12 h 05 min
